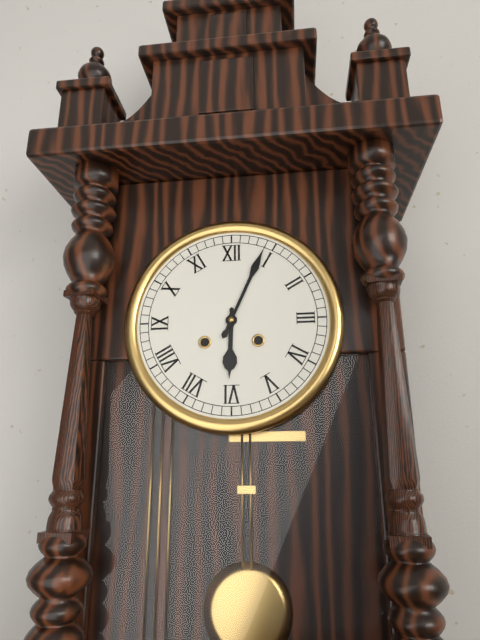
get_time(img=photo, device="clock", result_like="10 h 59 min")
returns 6 h 04 min
